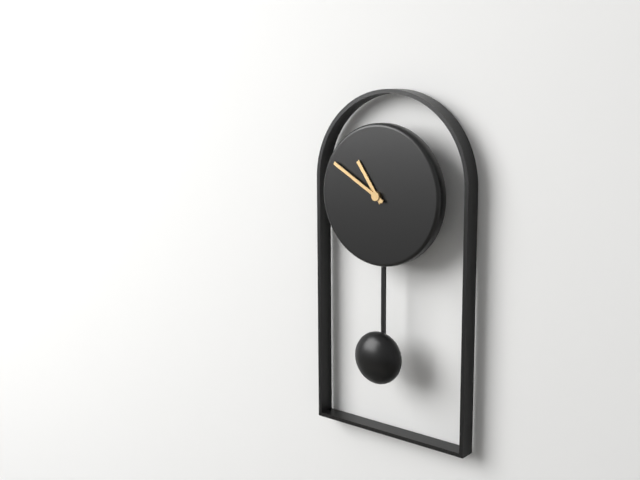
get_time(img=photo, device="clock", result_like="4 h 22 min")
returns 10 h 50 min
